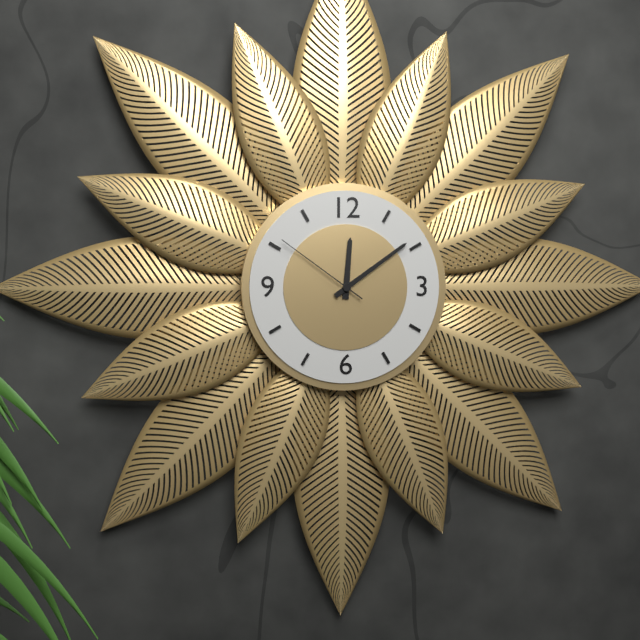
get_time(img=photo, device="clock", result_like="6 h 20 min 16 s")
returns 12 h 09 min 51 s
